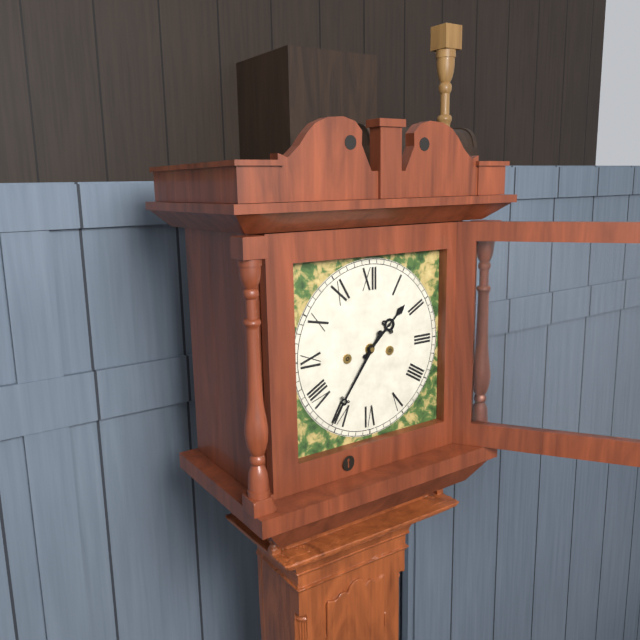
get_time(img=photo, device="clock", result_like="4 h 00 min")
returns 1 h 36 min
